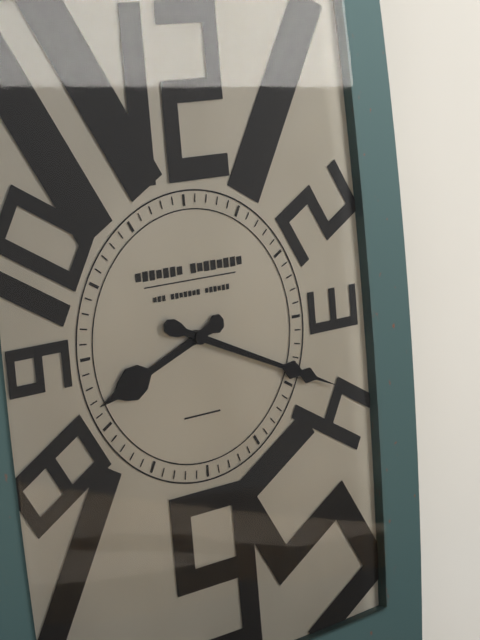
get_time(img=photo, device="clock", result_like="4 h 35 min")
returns 8 h 19 min
